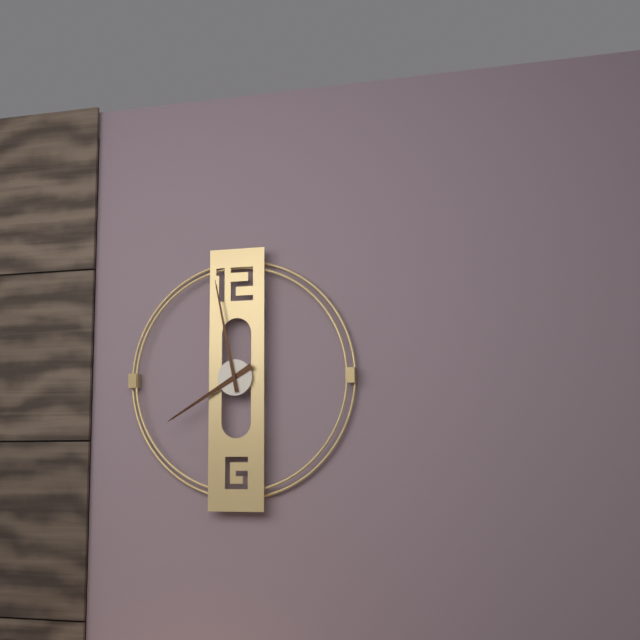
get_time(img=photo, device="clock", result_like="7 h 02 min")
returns 7 h 58 min
